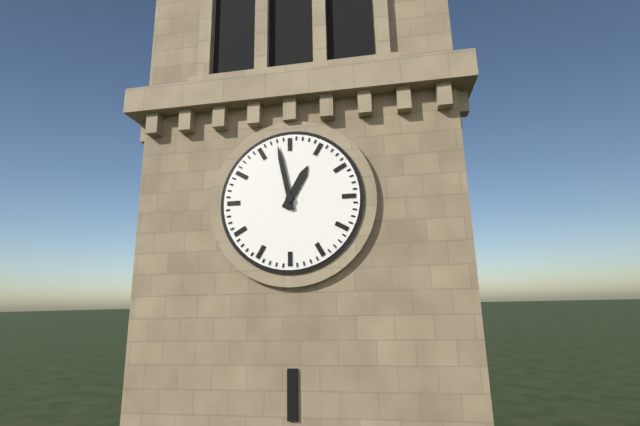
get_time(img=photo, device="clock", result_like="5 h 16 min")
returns 12 h 58 min
